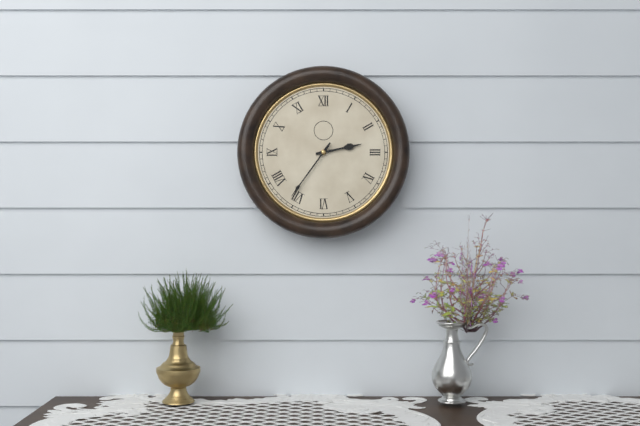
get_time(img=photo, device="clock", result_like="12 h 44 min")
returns 2 h 36 min
